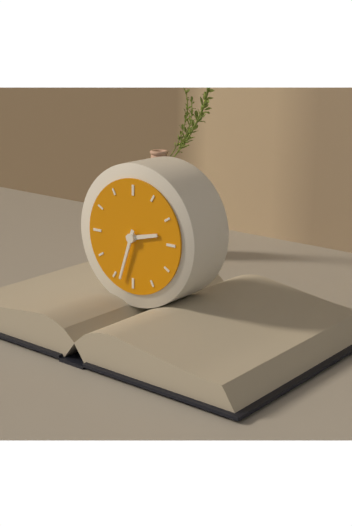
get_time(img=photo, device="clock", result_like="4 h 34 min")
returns 2 h 33 min
